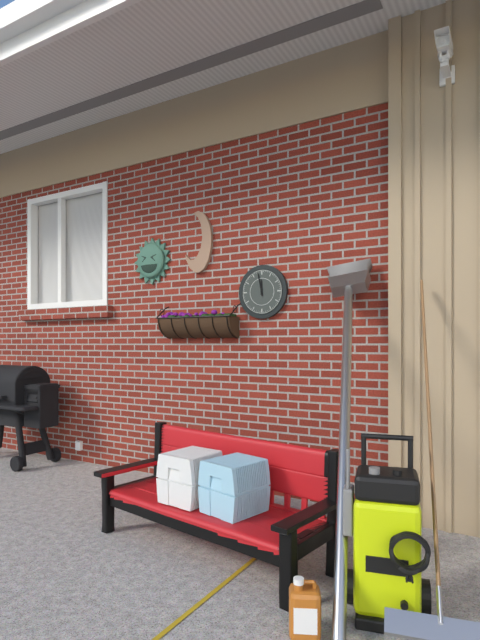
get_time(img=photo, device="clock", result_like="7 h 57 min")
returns 11 h 58 min
